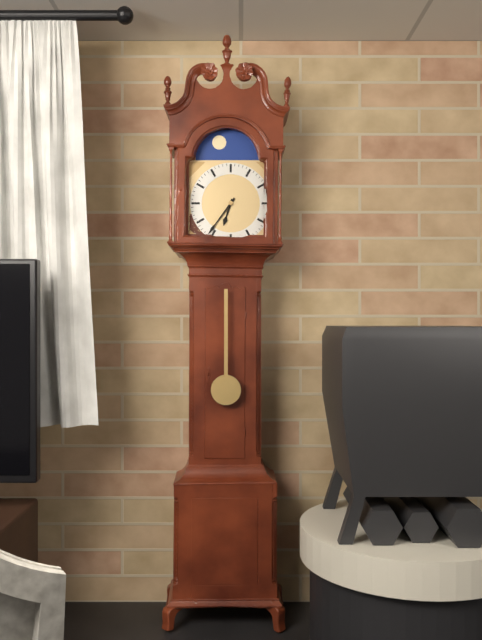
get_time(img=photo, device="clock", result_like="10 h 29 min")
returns 6 h 36 min
